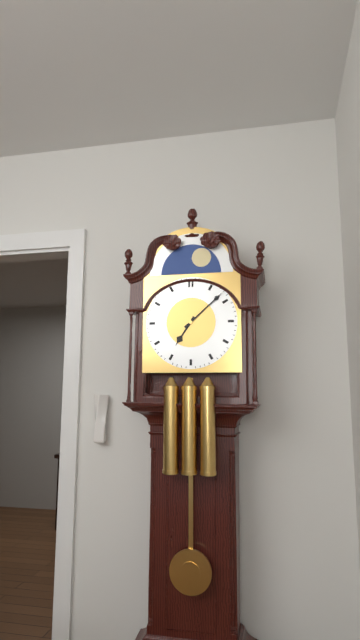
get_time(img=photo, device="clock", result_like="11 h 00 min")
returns 7 h 08 min
